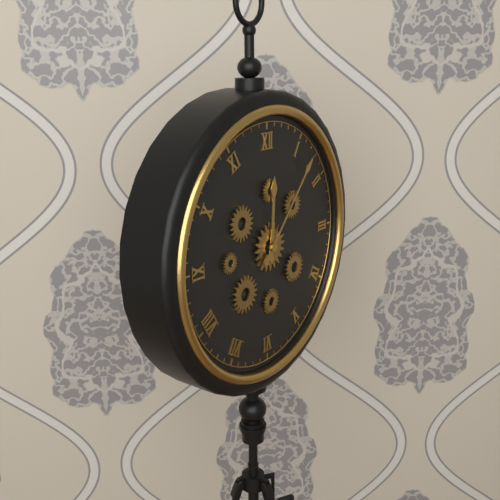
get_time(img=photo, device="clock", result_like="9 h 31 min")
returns 12 h 07 min
